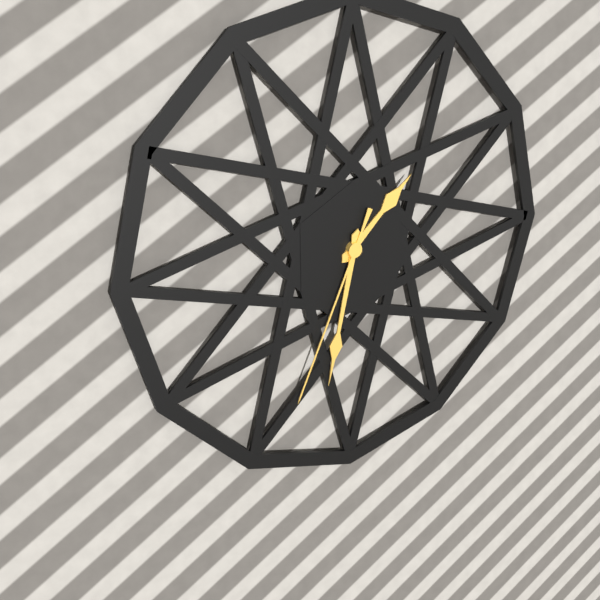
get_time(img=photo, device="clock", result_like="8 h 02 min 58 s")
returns 1 h 32 min 34 s
